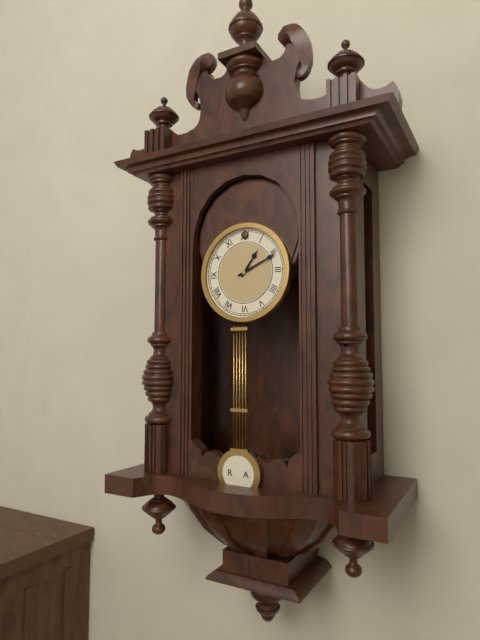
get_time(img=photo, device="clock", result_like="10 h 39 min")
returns 1 h 11 min
